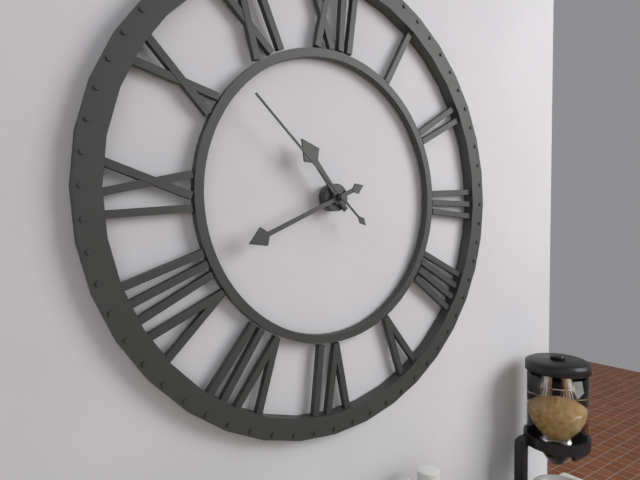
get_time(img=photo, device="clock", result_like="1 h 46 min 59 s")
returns 10 h 41 min 52 s
